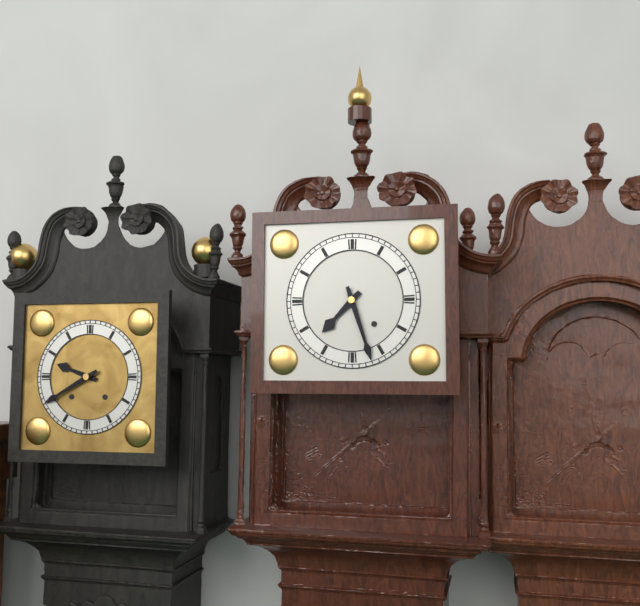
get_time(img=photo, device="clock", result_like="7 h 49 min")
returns 7 h 27 min
